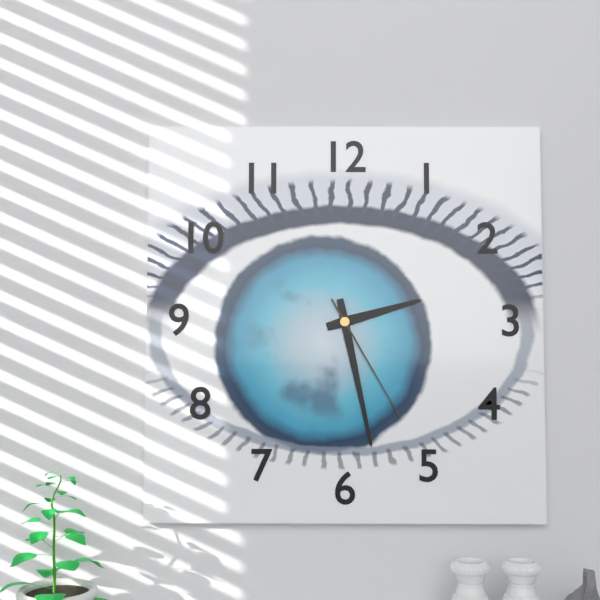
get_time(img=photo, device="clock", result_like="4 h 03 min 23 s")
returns 2 h 28 min 25 s
